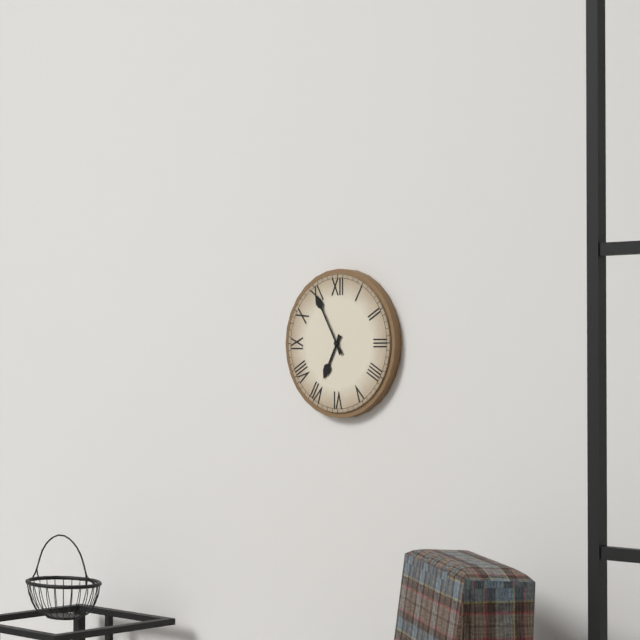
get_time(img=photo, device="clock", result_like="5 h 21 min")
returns 6 h 55 min
